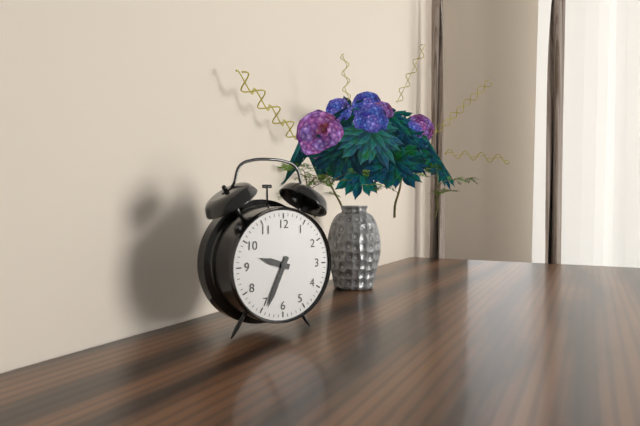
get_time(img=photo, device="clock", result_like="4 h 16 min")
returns 9 h 34 min
